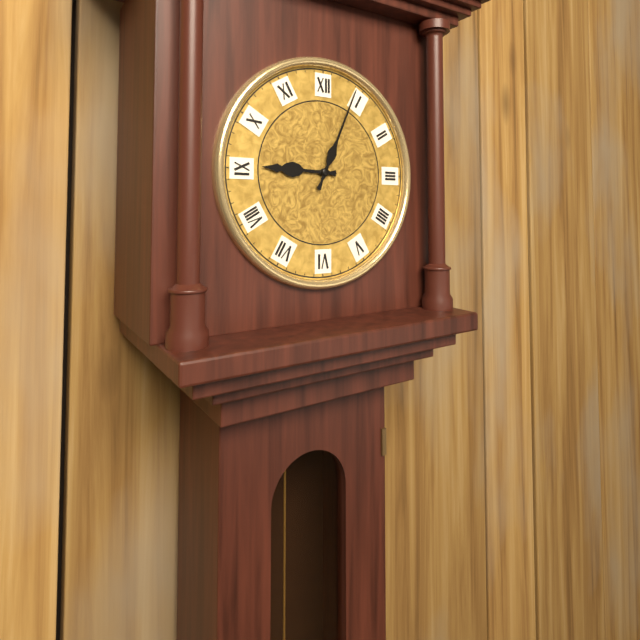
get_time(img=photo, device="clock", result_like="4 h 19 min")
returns 9 h 04 min
